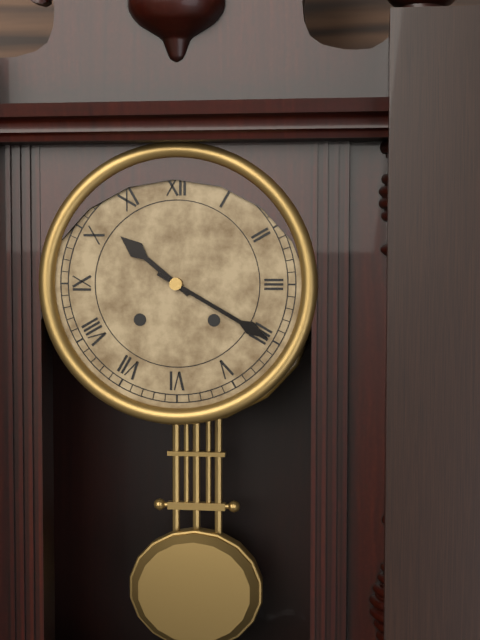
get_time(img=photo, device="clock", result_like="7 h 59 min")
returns 10 h 20 min
